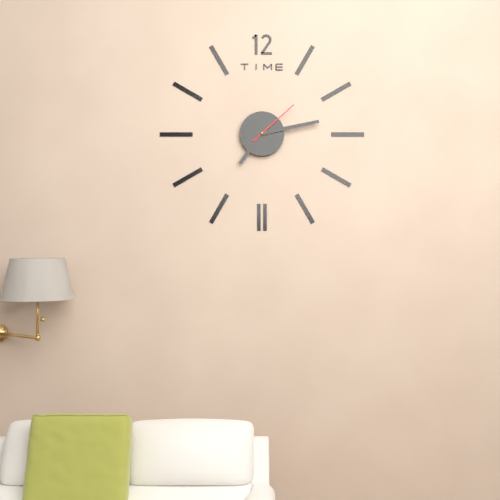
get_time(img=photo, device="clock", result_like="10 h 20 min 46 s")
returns 7 h 13 min 08 s
